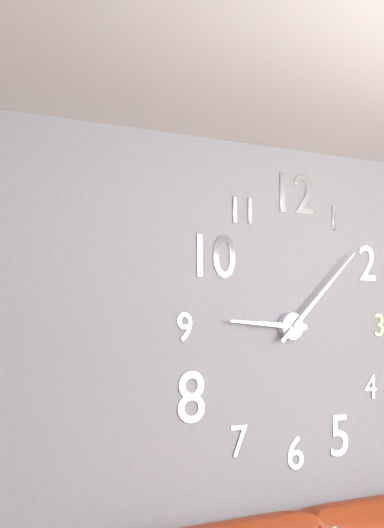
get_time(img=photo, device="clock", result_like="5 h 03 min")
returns 9 h 08 min
